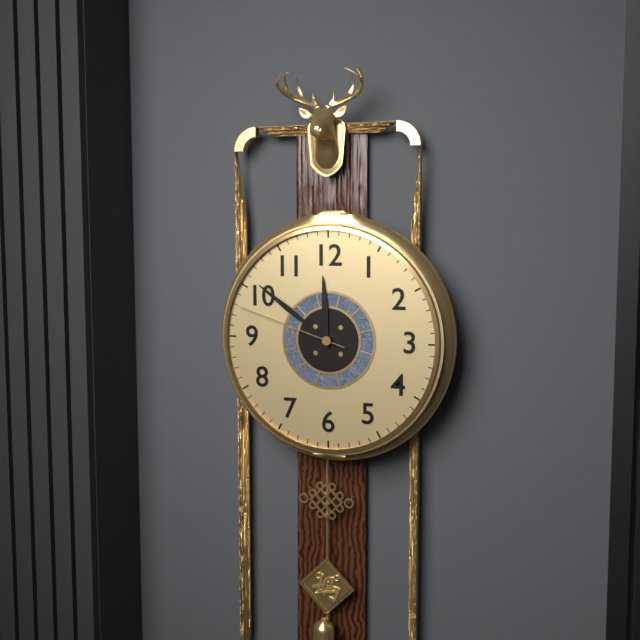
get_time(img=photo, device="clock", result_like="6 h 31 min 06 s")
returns 11 h 51 min 48 s
